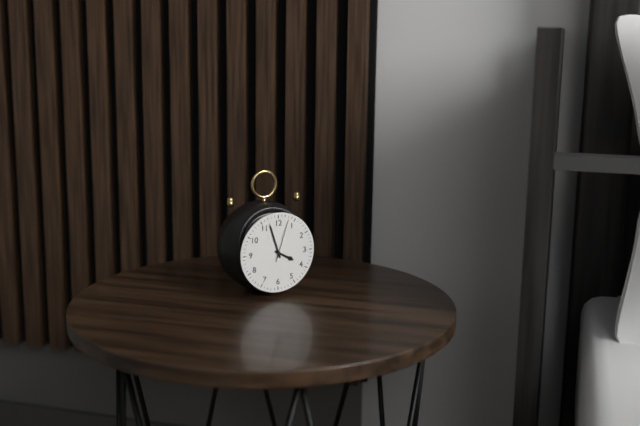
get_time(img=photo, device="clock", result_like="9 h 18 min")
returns 3 h 57 min
